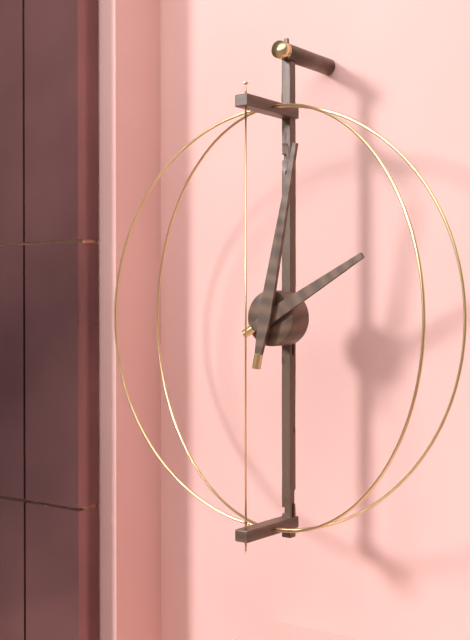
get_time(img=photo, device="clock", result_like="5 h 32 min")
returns 2 h 02 min
